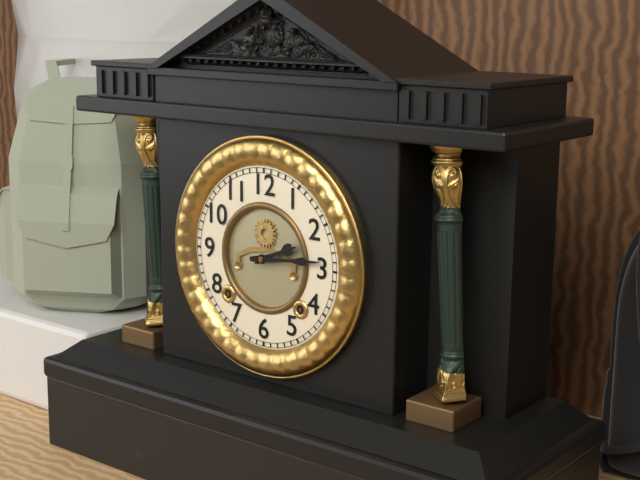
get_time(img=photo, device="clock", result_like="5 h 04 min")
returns 2 h 14 min
